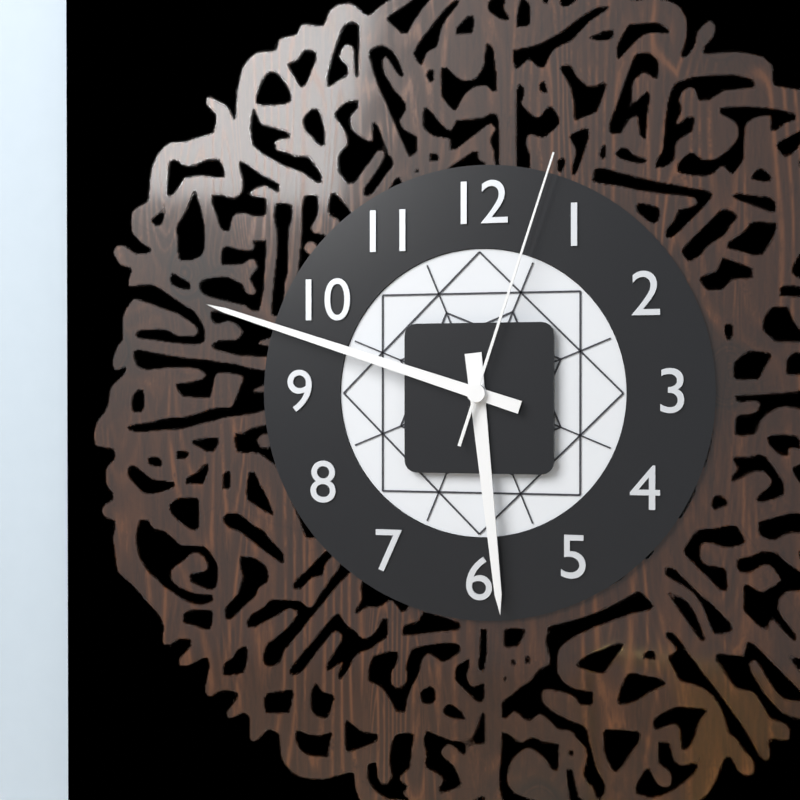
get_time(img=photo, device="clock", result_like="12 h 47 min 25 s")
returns 5 h 48 min 03 s
